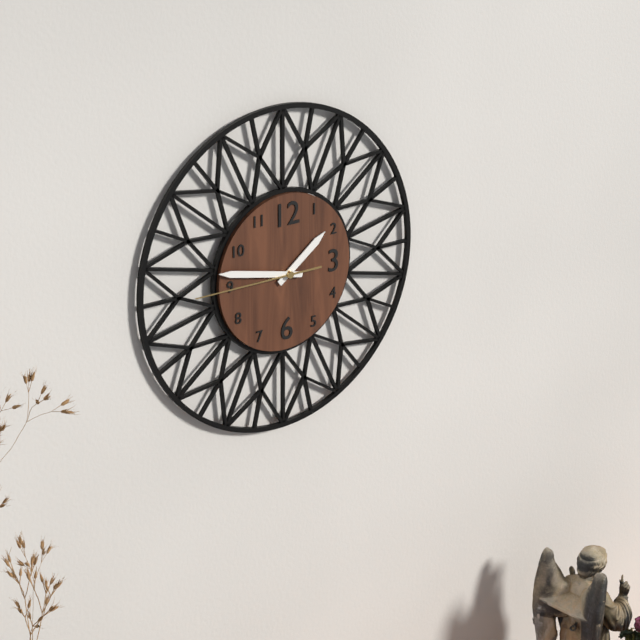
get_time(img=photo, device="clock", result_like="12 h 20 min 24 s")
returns 1 h 47 min 45 s
